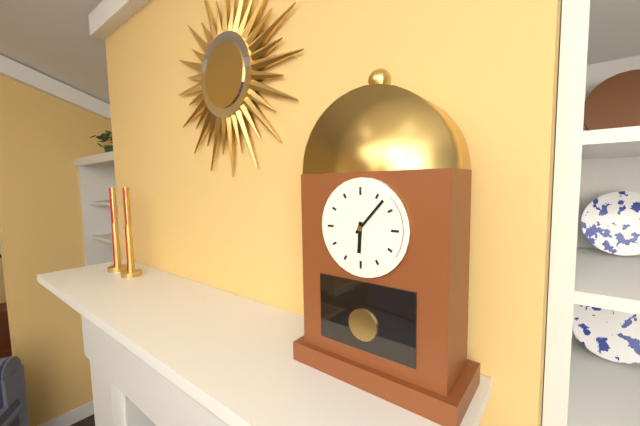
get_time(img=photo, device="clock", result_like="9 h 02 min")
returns 6 h 07 min
